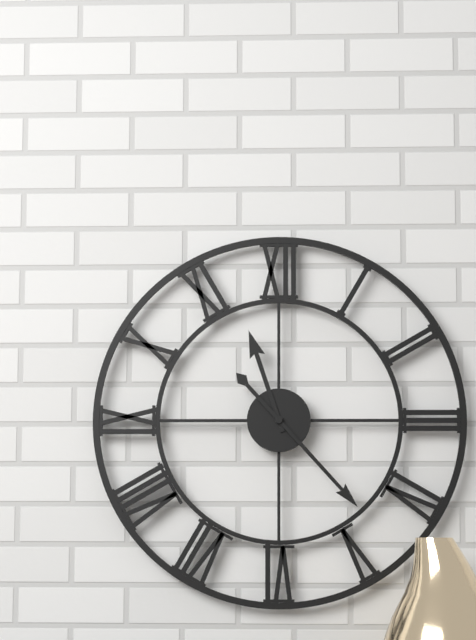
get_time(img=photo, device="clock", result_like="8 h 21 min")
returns 11 h 23 min
